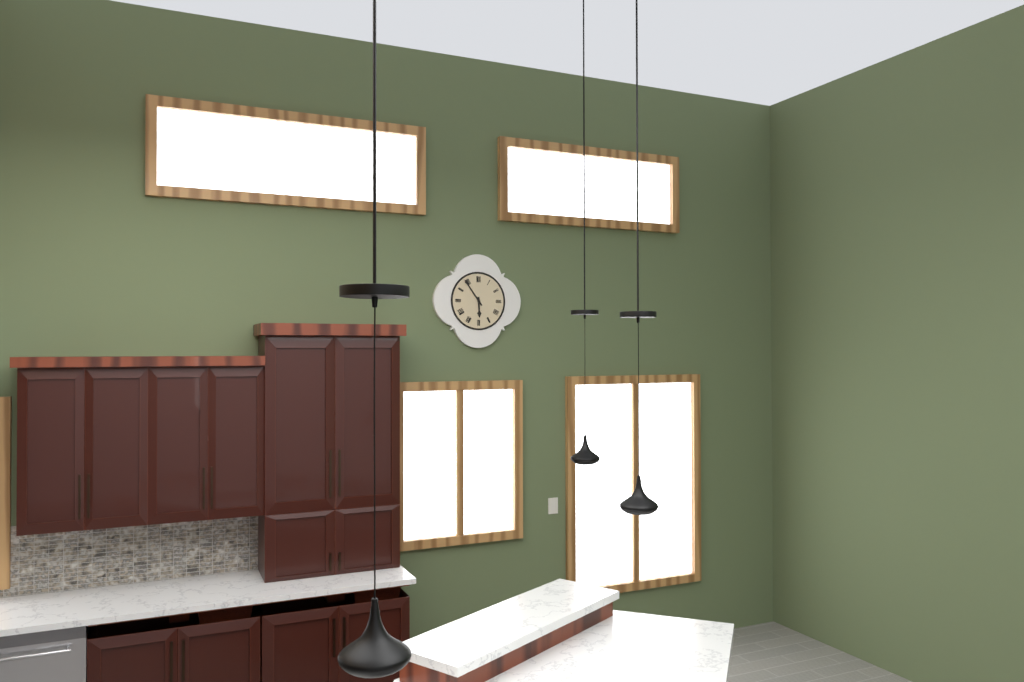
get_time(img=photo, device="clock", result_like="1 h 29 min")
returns 5 h 54 min
